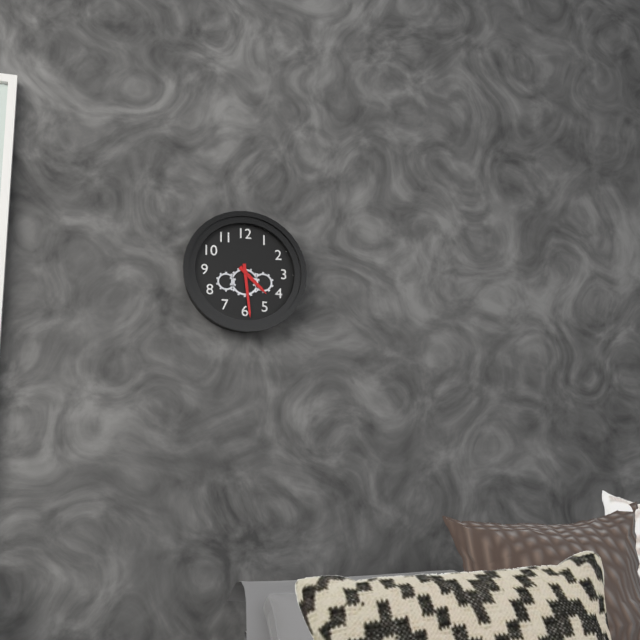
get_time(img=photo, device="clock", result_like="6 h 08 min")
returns 4 h 29 min
